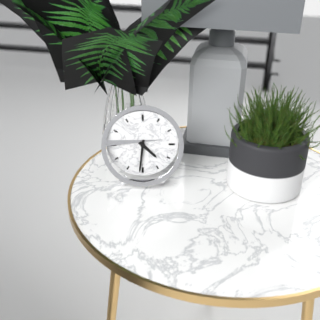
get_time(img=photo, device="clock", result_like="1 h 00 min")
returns 4 h 31 min
